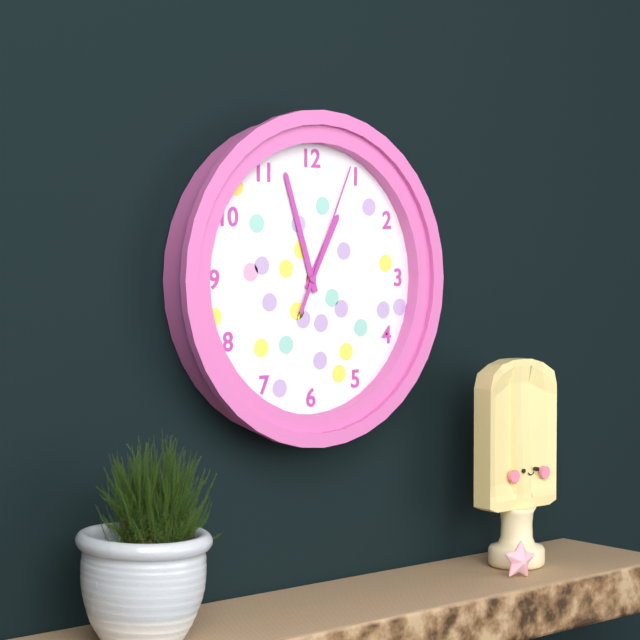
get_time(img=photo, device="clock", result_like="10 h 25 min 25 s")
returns 12 h 57 min 04 s
